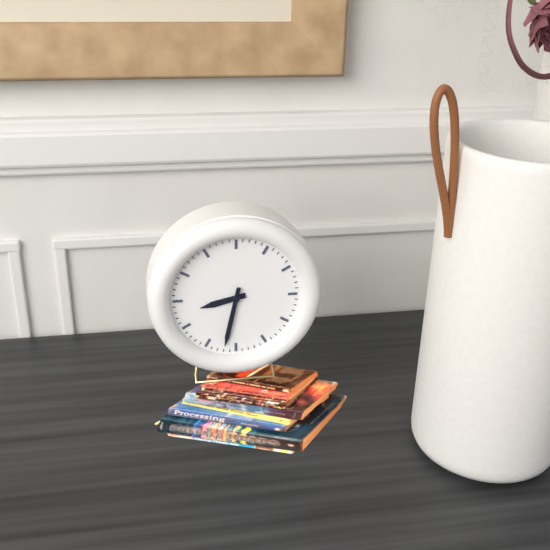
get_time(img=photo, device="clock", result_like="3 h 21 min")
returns 8 h 32 min
